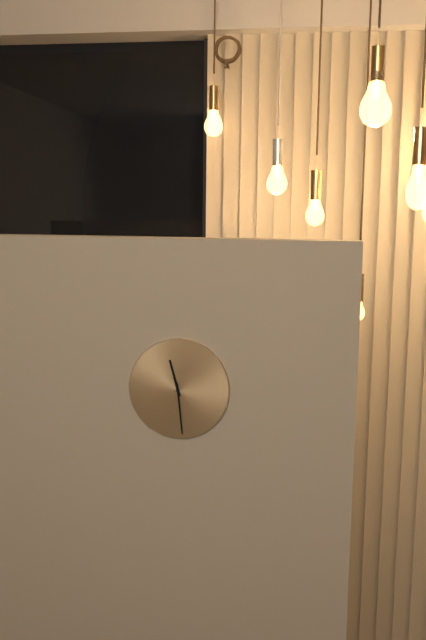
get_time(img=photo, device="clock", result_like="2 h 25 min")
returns 11 h 29 min
